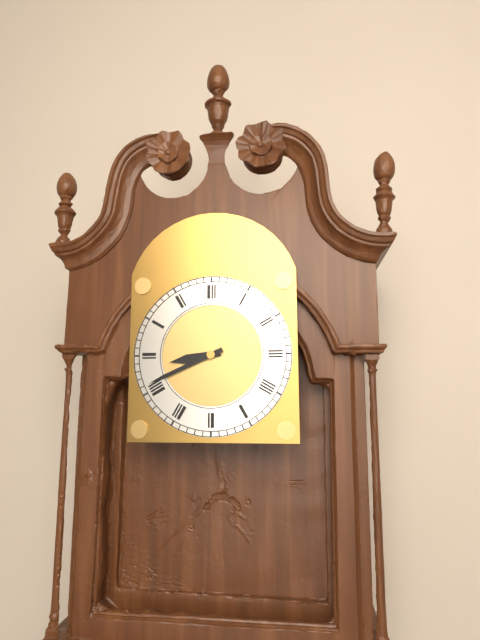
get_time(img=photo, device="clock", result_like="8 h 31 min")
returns 8 h 41 min
